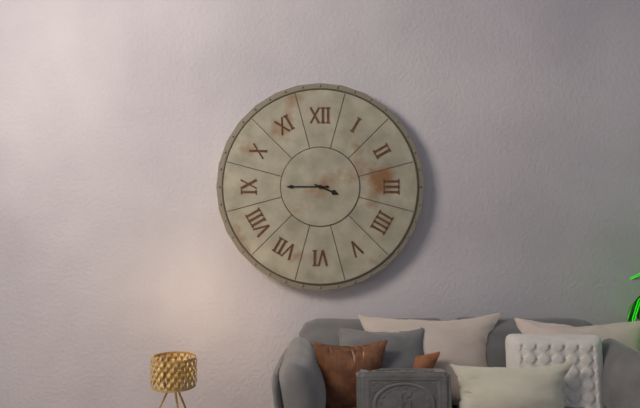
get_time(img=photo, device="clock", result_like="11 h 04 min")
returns 3 h 45 min
